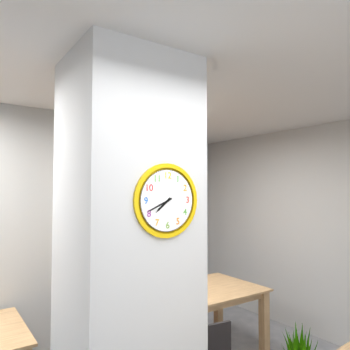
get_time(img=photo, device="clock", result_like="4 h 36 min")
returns 7 h 41 min
